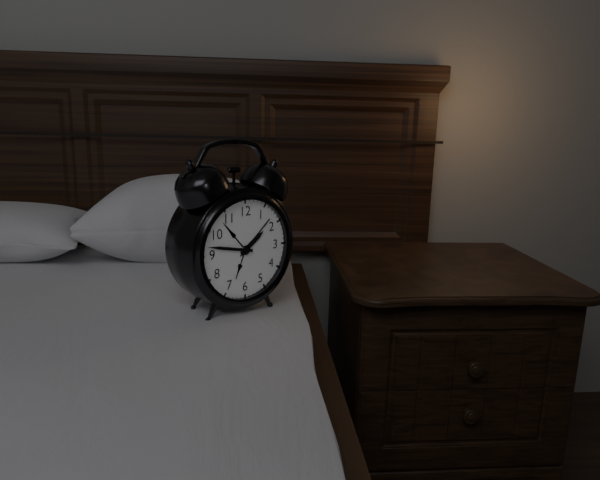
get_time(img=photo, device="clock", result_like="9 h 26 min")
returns 1 h 47 min
